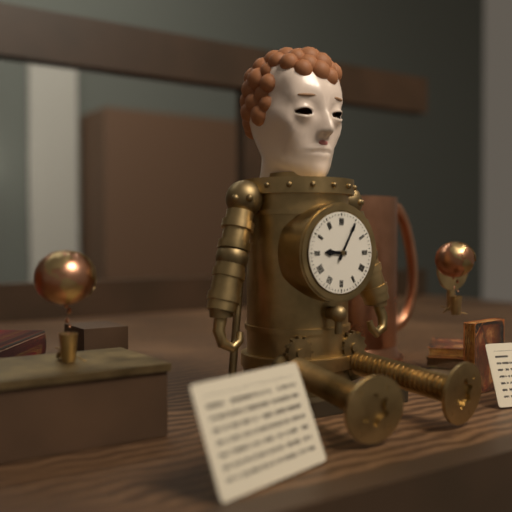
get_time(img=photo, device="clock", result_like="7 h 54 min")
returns 9 h 05 min
